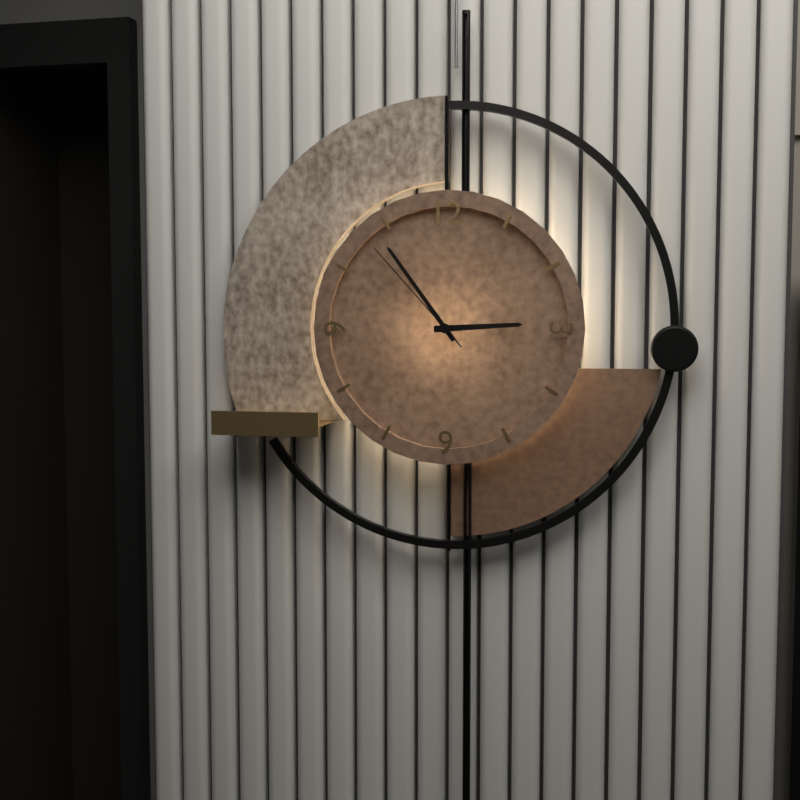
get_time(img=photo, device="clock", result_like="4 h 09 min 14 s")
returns 2 h 54 min 53 s
